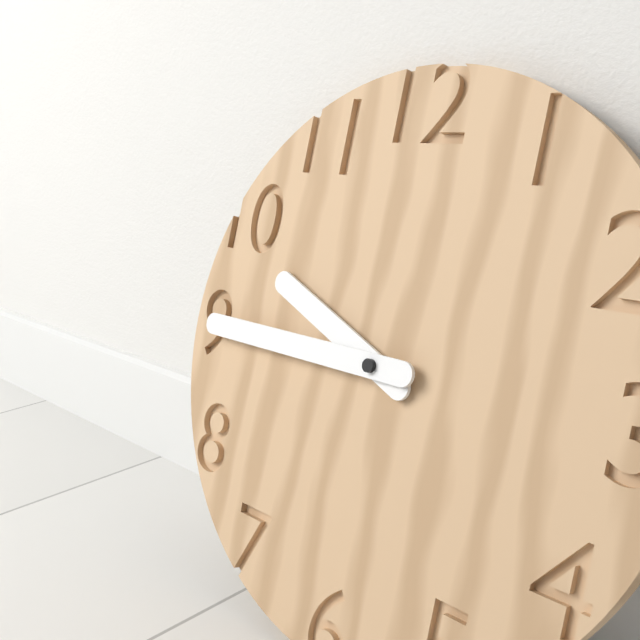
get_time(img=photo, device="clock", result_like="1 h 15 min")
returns 9 h 45 min
